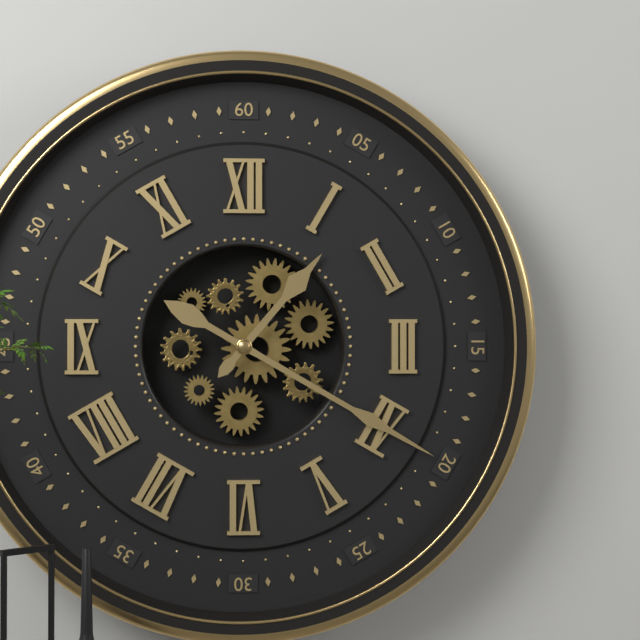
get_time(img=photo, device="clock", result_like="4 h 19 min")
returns 1 h 20 min
